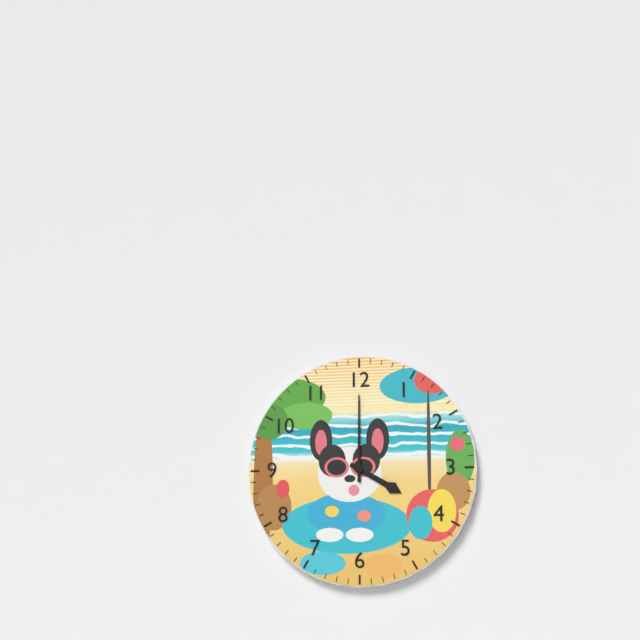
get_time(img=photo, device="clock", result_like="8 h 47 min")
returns 4 h 00 min
